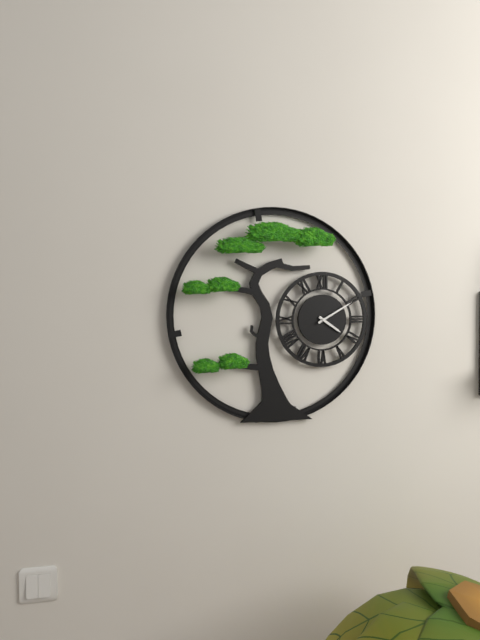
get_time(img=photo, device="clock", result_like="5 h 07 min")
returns 4 h 10 min
